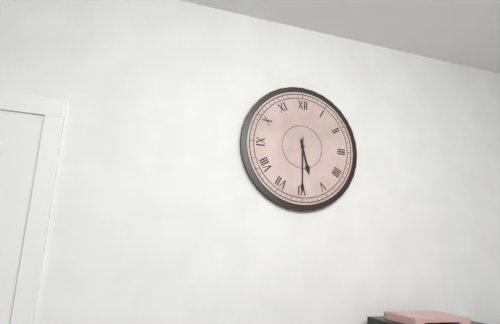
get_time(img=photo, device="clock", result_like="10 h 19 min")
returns 5 h 30 min
